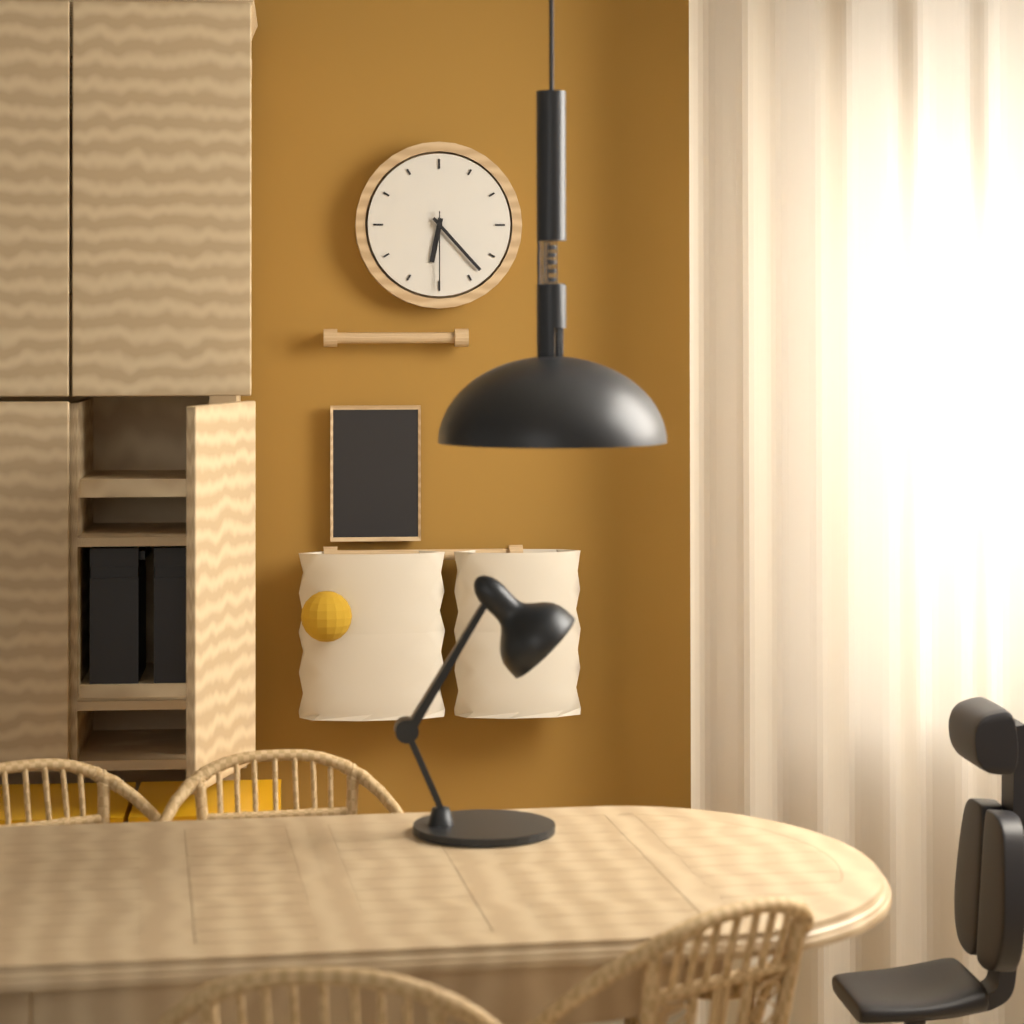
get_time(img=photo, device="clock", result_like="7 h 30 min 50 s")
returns 6 h 23 min 30 s
